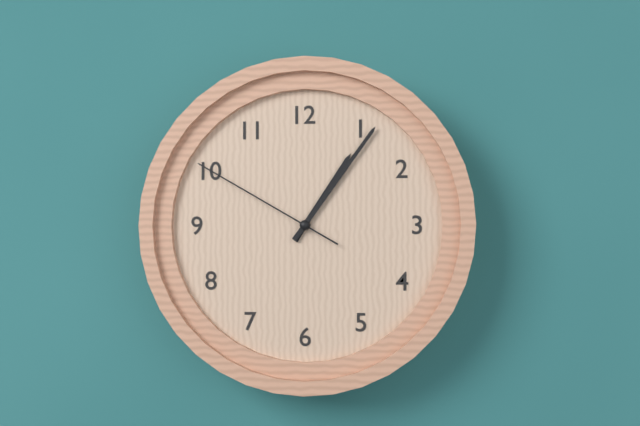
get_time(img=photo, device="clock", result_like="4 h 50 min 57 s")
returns 1 h 06 min 50 s
